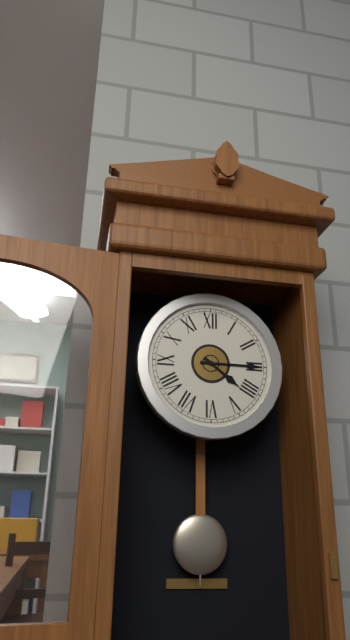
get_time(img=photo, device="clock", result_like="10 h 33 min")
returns 4 h 15 min
